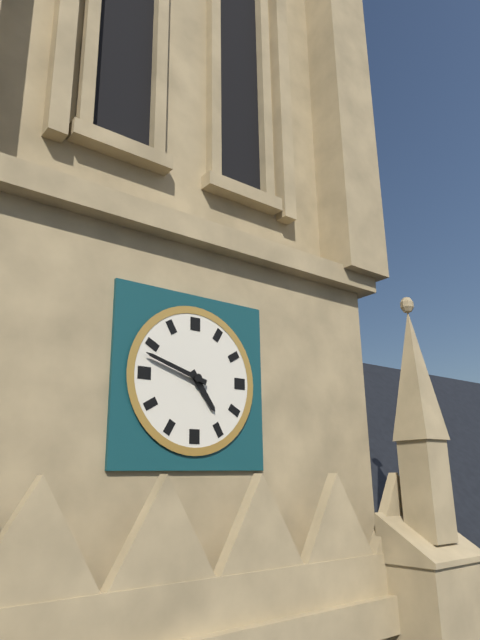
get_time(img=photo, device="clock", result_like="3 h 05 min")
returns 4 h 48 min
